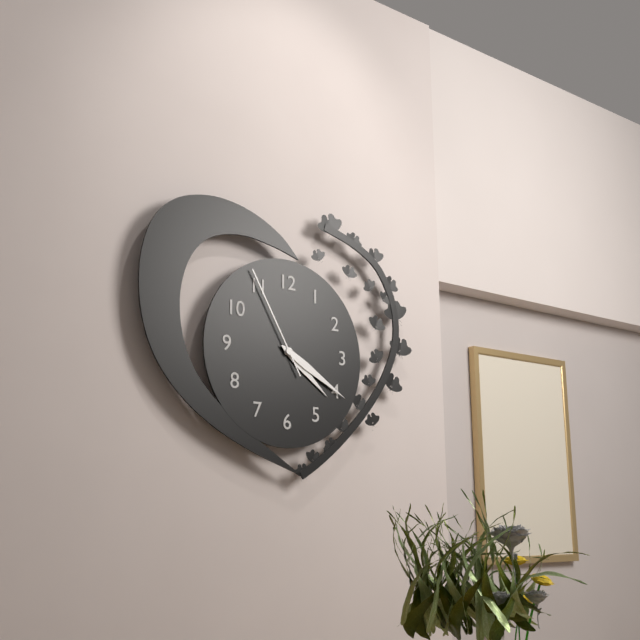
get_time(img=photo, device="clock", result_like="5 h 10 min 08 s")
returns 4 h 20 min 55 s
